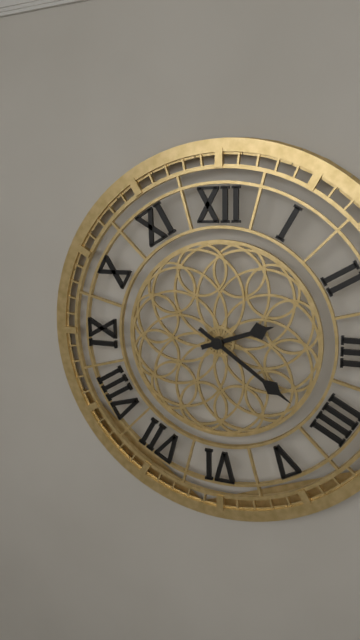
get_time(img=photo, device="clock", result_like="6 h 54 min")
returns 2 h 21 min
